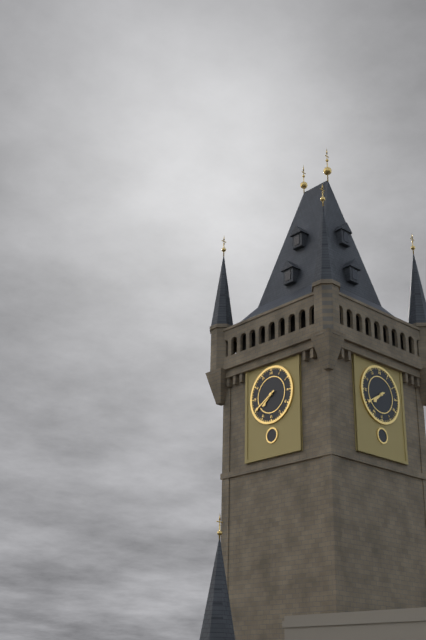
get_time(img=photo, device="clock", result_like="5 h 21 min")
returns 7 h 40 min
